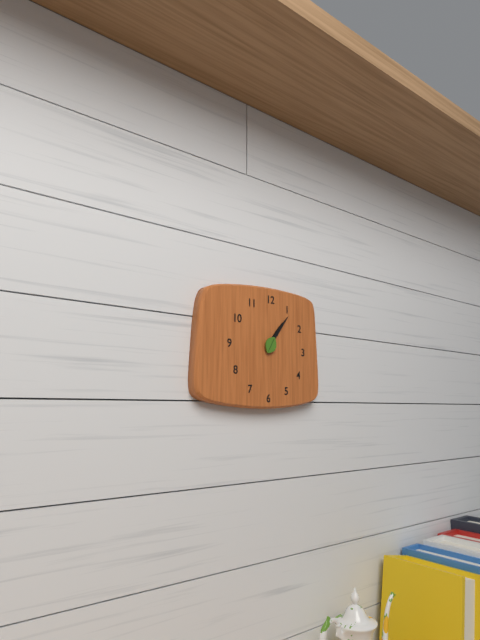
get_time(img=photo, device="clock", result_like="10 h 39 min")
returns 1 h 06 min
